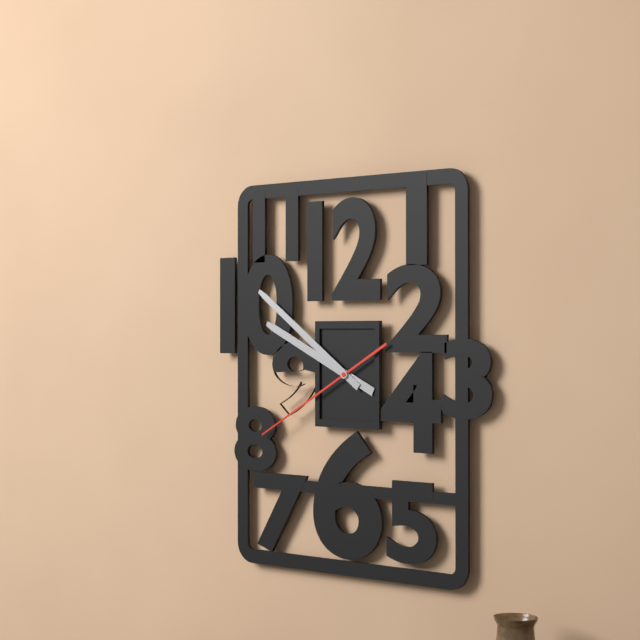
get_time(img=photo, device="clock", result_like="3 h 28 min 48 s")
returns 9 h 51 min 40 s
